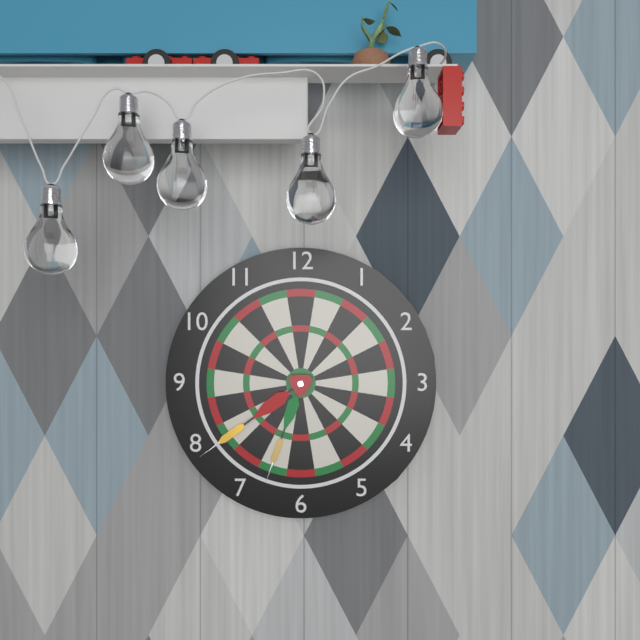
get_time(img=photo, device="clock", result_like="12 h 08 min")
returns 6 h 39 min
